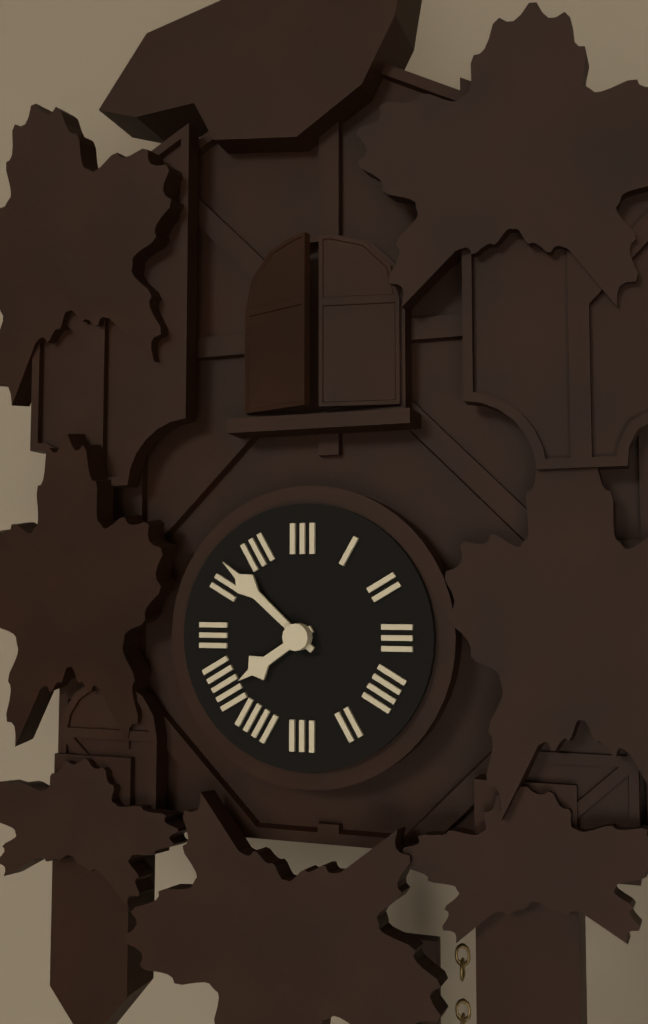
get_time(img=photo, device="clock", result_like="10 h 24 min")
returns 7 h 52 min
